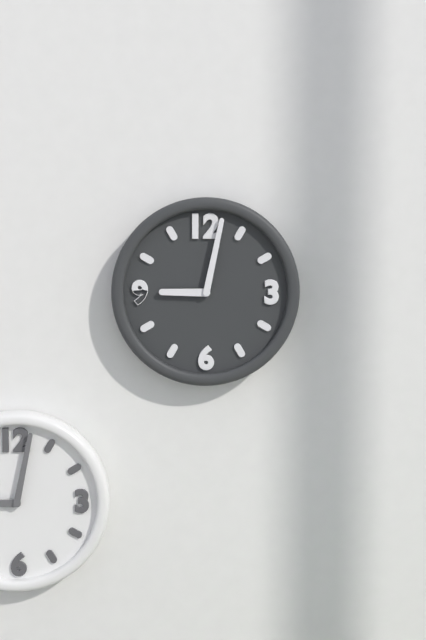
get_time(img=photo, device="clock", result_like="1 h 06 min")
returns 9 h 02 min
